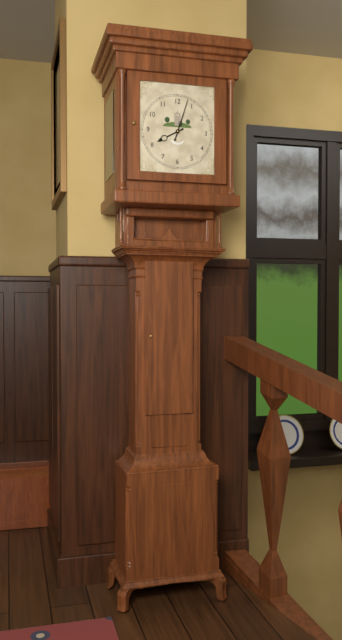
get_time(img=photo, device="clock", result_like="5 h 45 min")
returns 8 h 03 min
